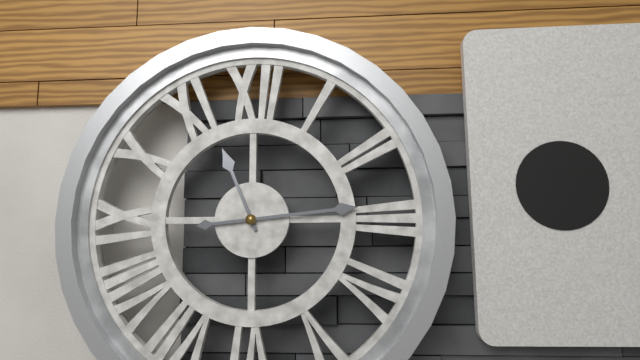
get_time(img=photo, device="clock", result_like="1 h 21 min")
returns 11 h 14 min
